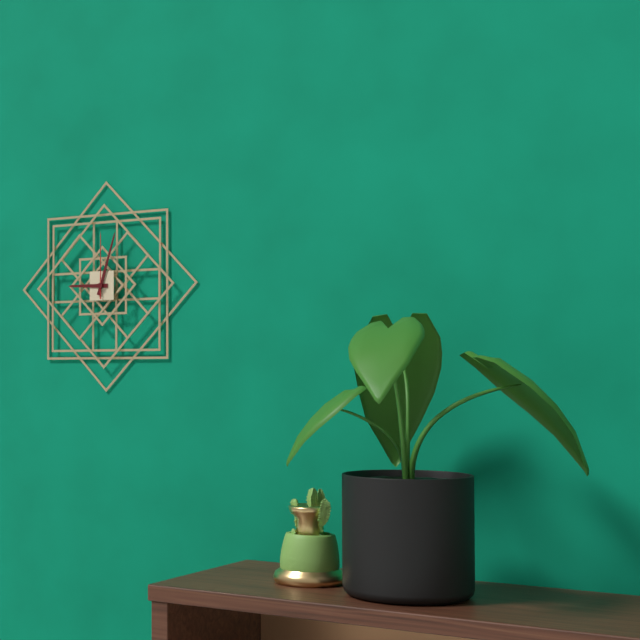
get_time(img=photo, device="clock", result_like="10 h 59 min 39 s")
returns 9 h 03 min 00 s
